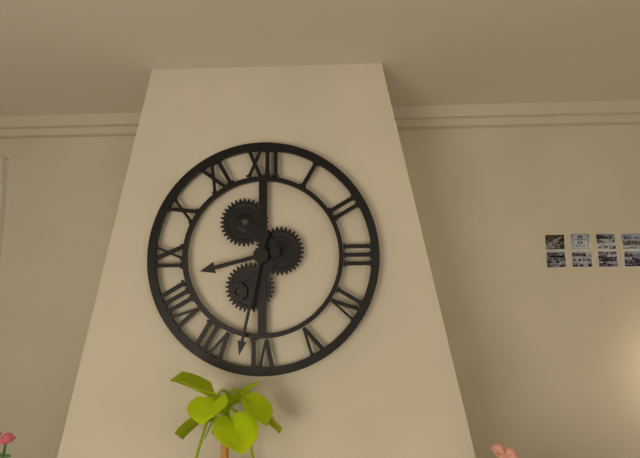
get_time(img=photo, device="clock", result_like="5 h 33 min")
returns 8 h 32 min
